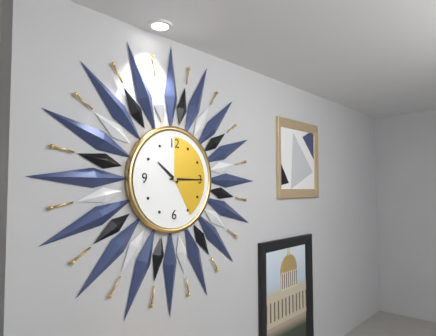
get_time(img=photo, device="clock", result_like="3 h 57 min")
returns 10 h 15 min
